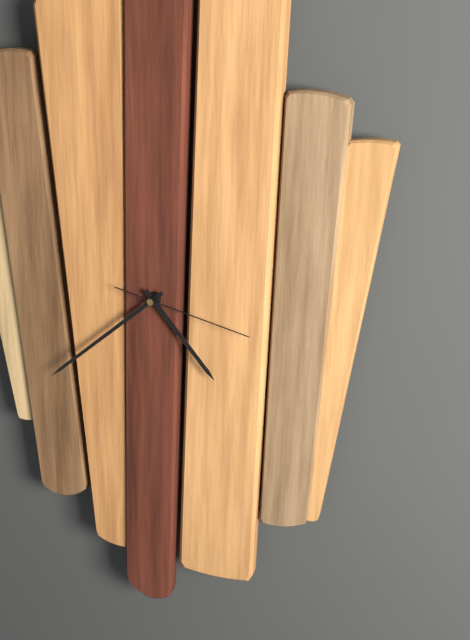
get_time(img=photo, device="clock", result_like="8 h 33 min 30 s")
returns 4 h 38 min 17 s
